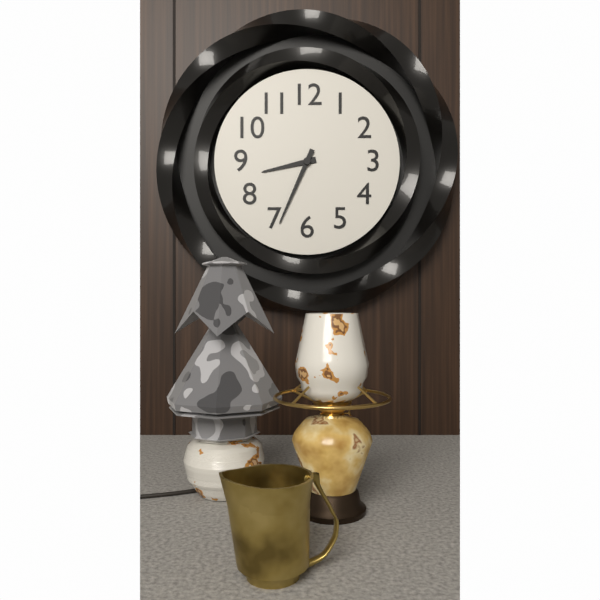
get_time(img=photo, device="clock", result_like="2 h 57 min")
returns 8 h 34 min
